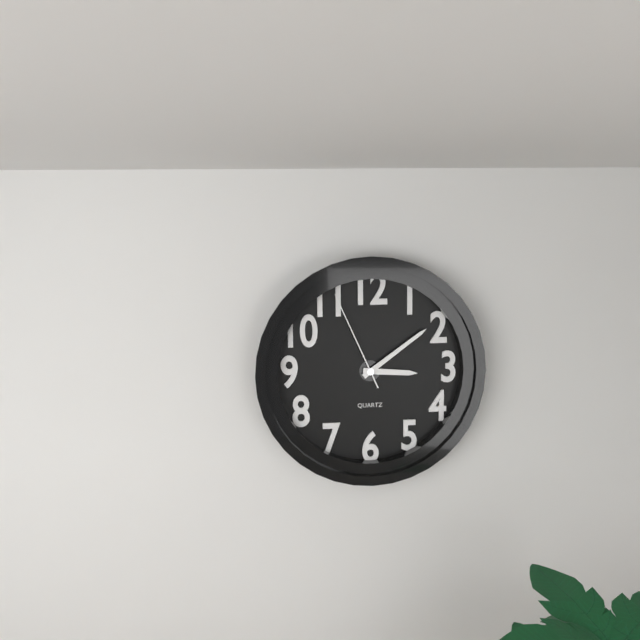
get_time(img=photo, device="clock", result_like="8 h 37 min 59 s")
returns 3 h 09 min 56 s
